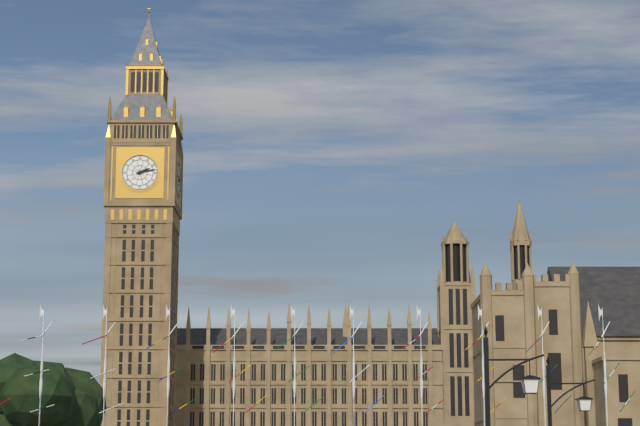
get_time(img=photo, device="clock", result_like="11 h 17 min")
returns 2 h 13 min
